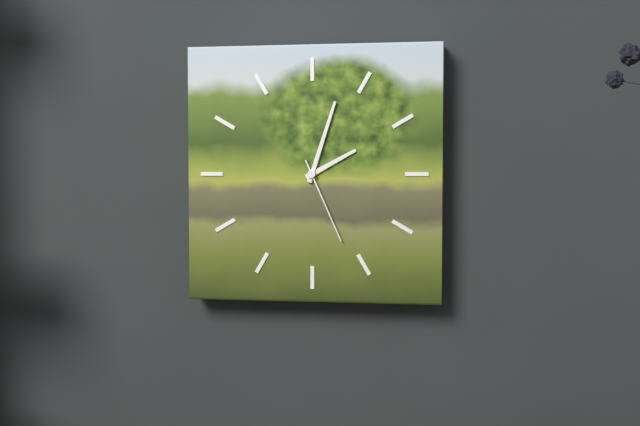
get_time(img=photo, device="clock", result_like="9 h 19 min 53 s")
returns 2 h 03 min 26 s
